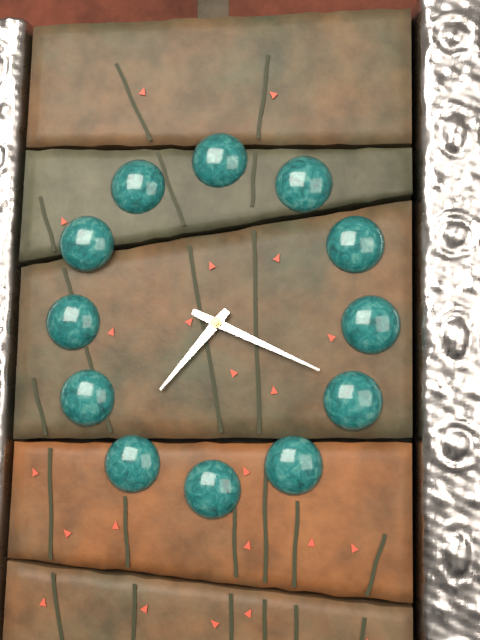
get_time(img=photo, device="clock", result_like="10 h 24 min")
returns 7 h 19 min
